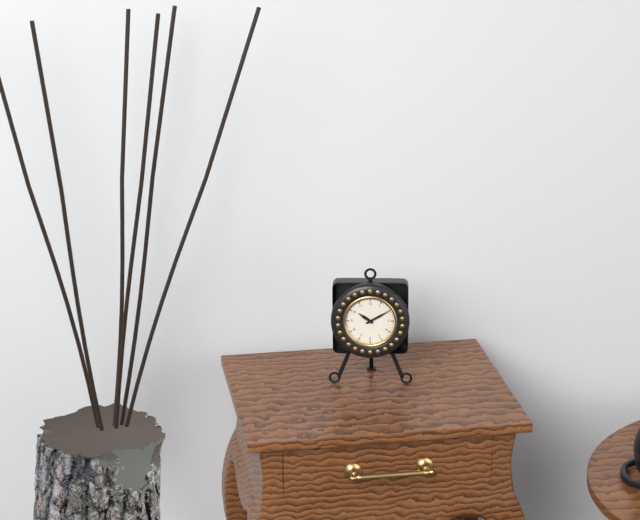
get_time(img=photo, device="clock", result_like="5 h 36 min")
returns 10 h 10 min
